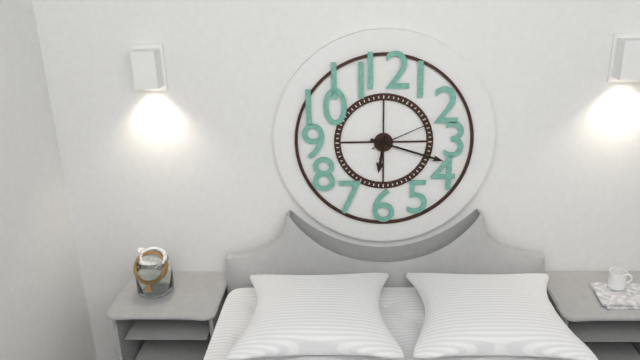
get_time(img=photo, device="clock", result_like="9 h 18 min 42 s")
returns 6 h 18 min 11 s
